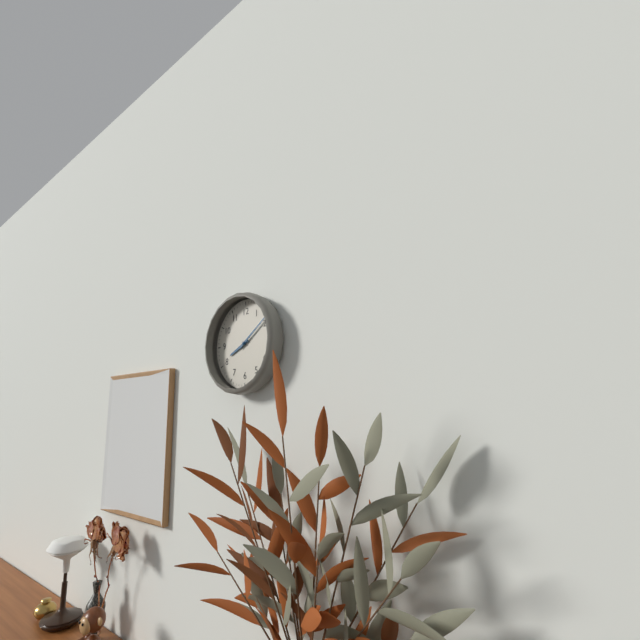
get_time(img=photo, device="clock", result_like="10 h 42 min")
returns 8 h 09 min
